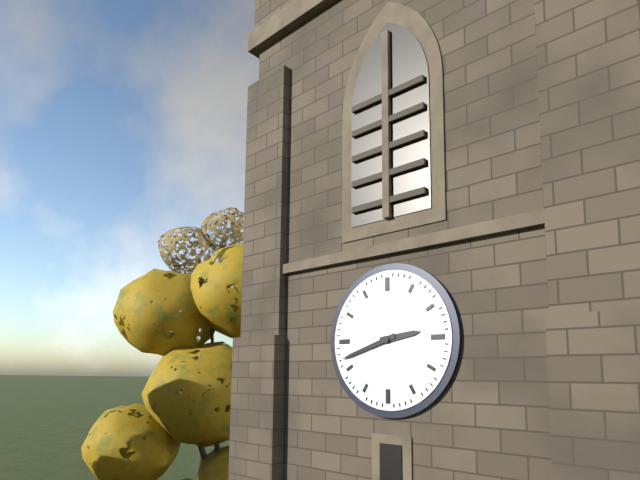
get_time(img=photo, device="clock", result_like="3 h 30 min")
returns 2 h 42 min
